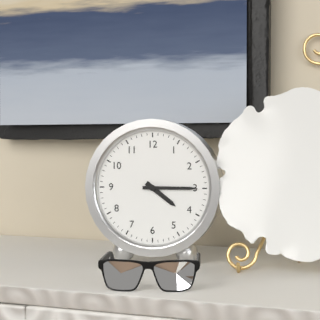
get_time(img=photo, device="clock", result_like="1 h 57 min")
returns 4 h 15 min
